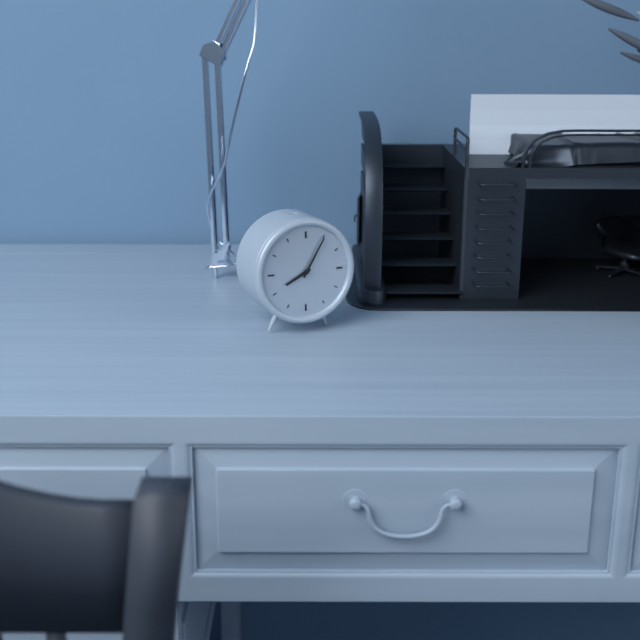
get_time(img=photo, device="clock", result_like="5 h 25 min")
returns 8 h 05 min
